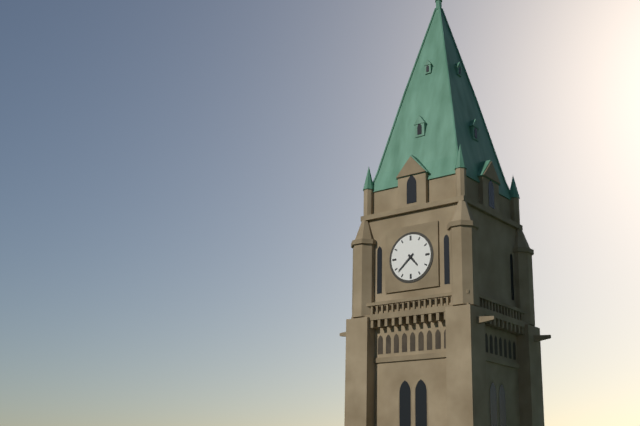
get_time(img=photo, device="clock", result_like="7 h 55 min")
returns 4 h 38 min
